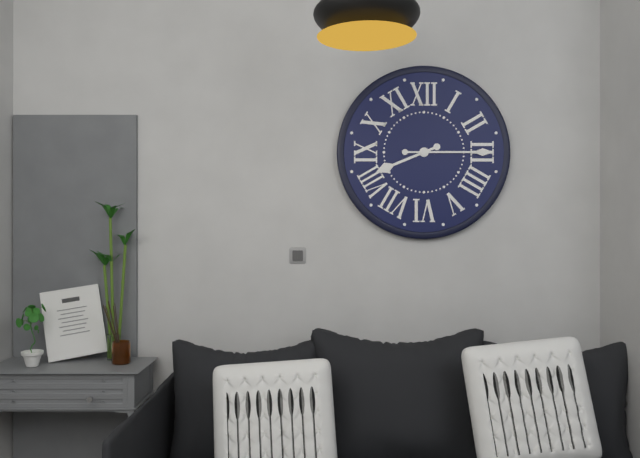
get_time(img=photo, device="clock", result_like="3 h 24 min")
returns 8 h 15 min
